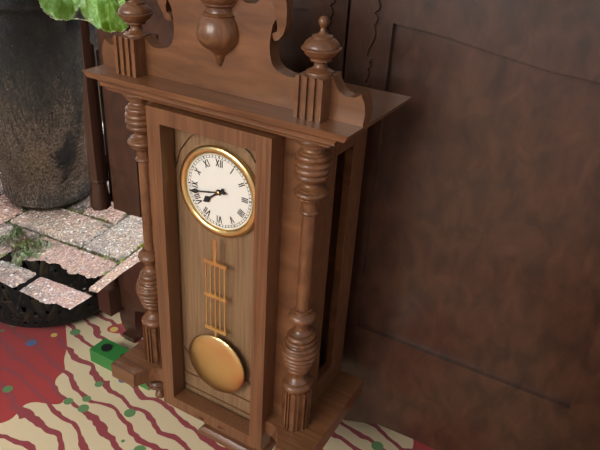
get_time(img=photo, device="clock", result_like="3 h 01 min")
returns 7 h 43 min
